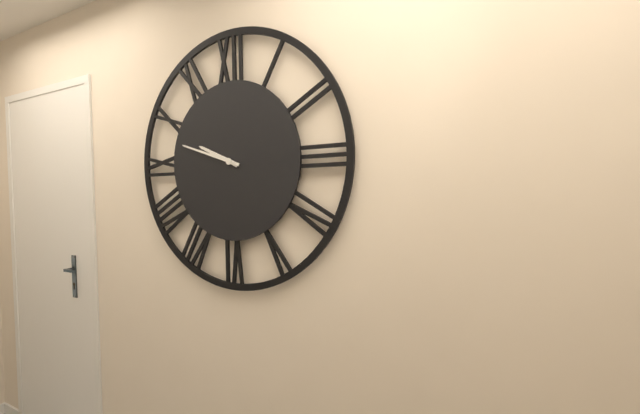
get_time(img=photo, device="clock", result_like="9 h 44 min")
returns 9 h 48 min
